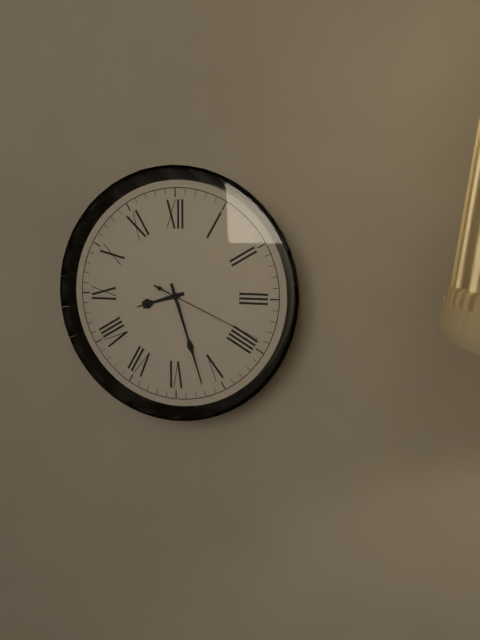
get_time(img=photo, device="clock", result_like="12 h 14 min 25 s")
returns 8 h 27 min 19 s
